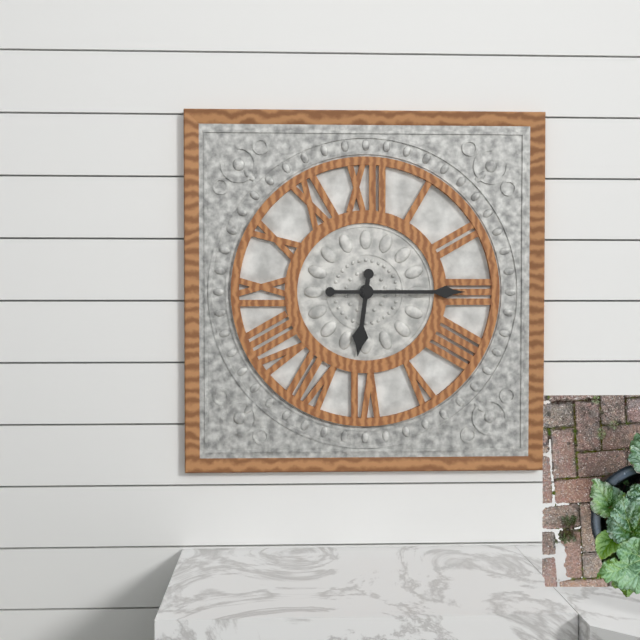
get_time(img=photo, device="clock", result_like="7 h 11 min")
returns 6 h 15 min
